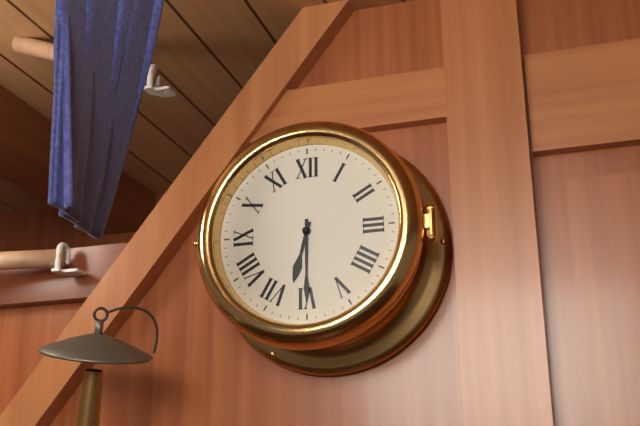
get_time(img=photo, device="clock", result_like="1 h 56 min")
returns 6 h 30 min
